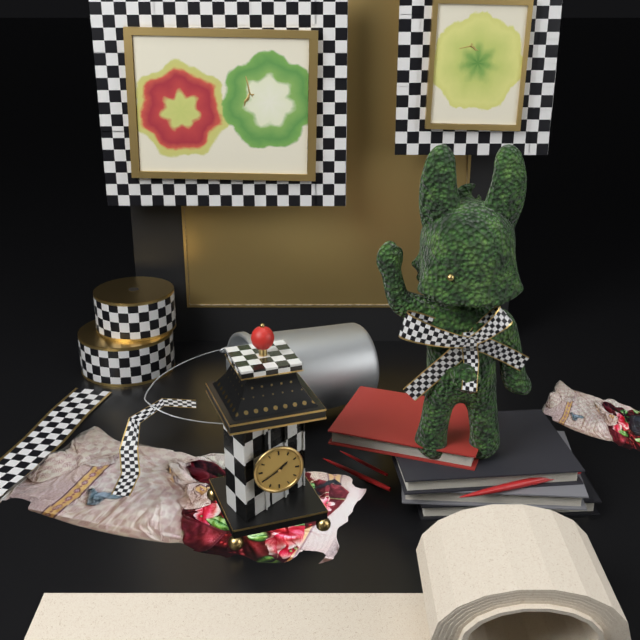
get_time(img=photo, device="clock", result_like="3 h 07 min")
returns 1 h 40 min
